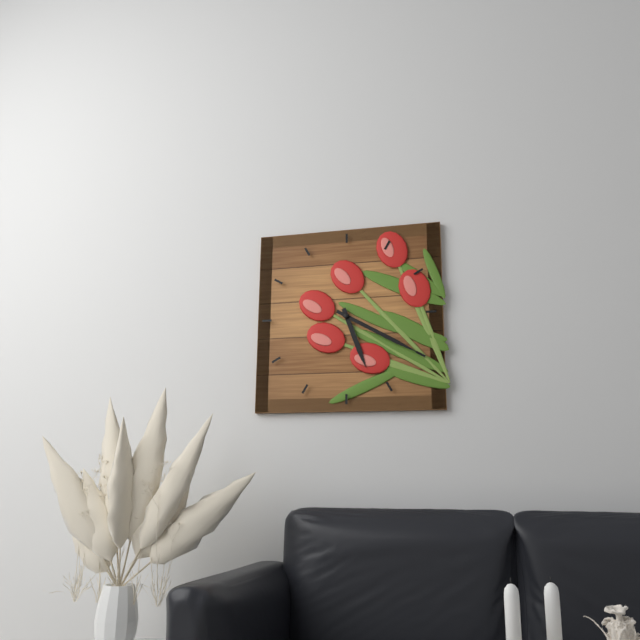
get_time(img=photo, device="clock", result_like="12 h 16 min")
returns 5 h 20 min
